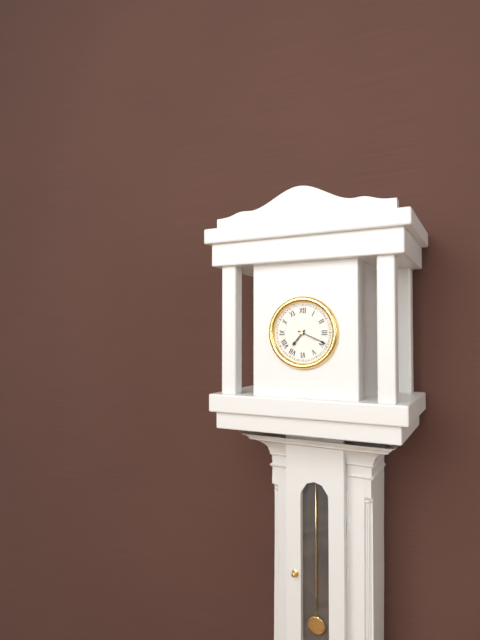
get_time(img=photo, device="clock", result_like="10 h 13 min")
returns 7 h 19 min
